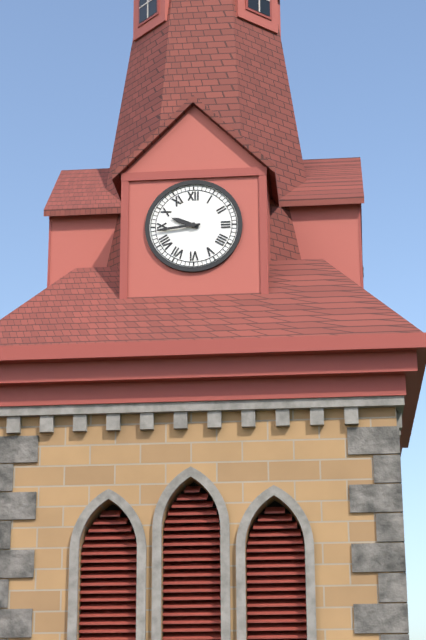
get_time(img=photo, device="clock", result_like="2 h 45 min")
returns 9 h 44 min
